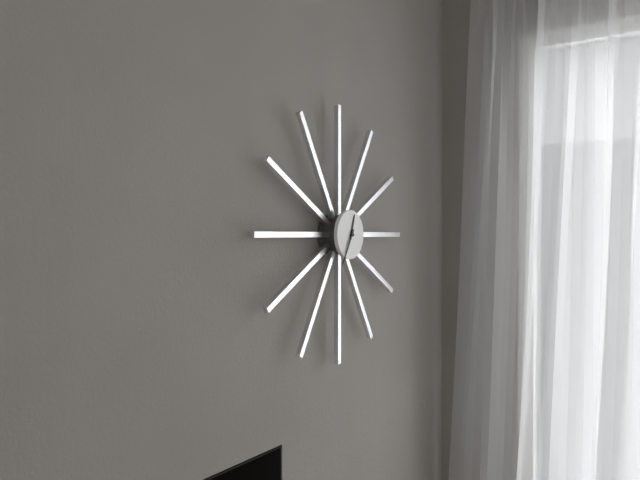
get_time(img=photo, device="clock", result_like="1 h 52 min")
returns 12 h 35 min
